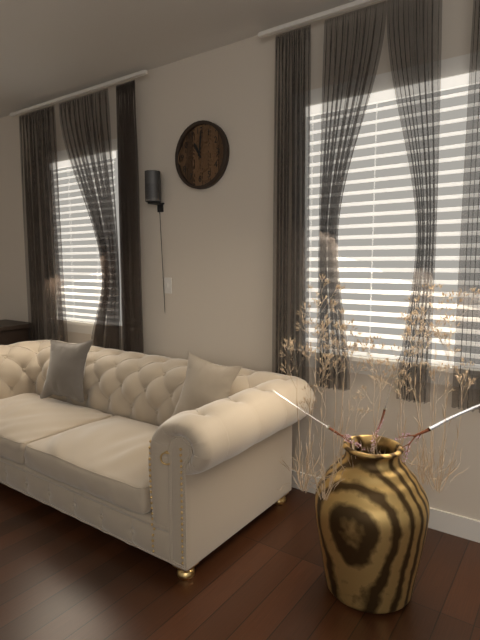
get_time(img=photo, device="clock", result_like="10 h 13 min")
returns 11 h 01 min
